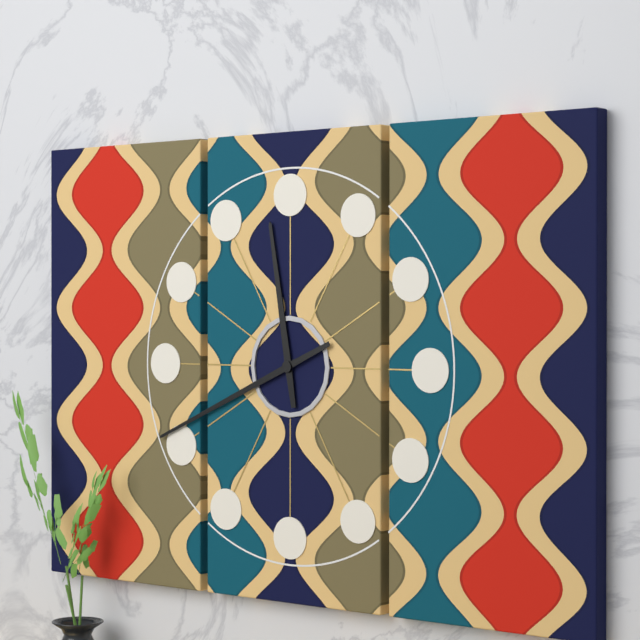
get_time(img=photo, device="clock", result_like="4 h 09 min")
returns 11 h 41 min
